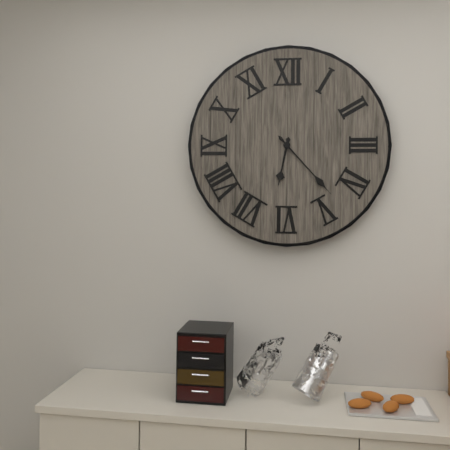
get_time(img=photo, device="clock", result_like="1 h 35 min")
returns 6 h 23 min
